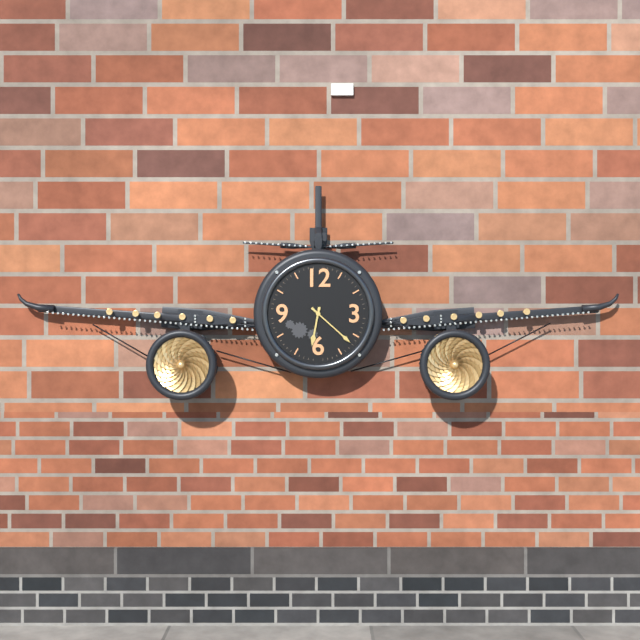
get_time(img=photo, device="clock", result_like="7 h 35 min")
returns 6 h 22 min
